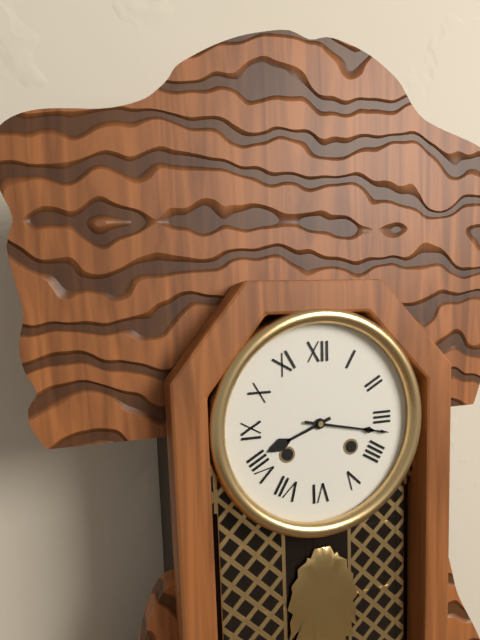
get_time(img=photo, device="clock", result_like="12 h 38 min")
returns 8 h 17 min
